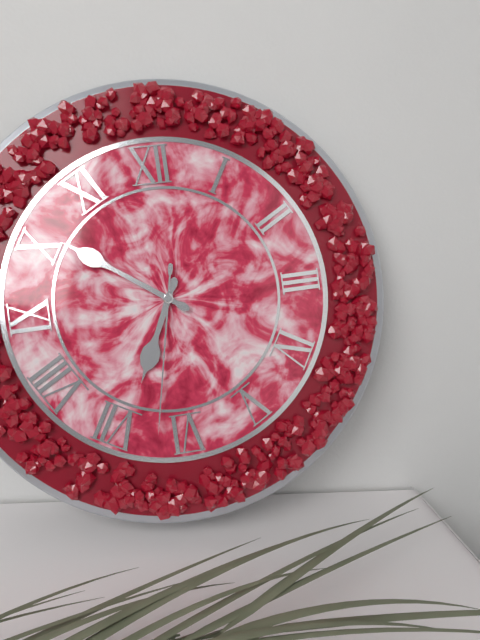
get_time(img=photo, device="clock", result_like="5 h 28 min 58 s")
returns 6 h 51 min 32 s
